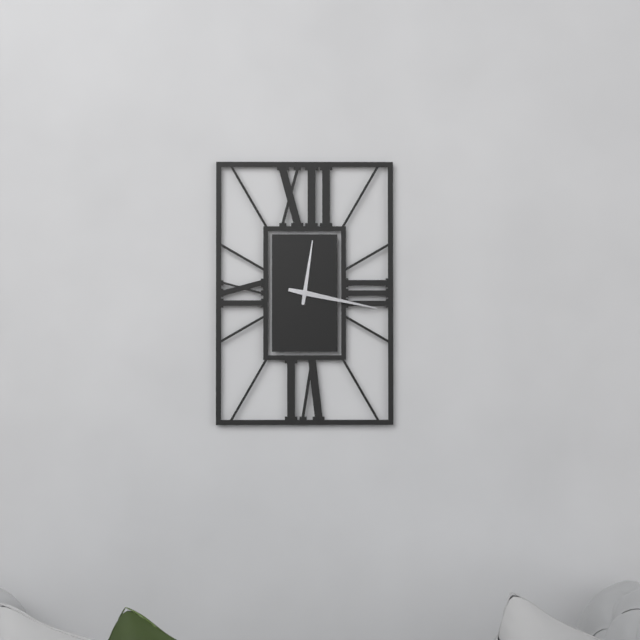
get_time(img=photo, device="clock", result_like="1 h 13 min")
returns 12 h 17 min
